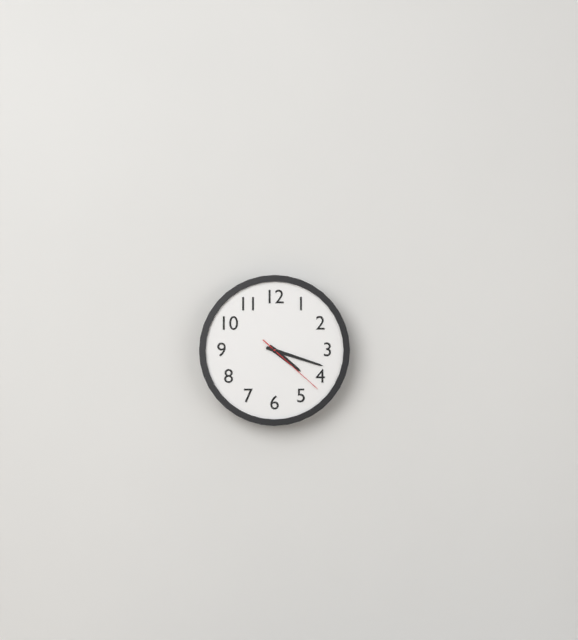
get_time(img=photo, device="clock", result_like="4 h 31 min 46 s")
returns 4 h 18 min 22 s
